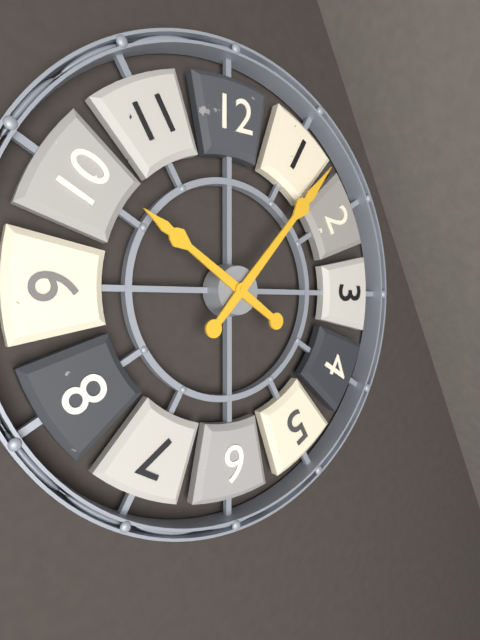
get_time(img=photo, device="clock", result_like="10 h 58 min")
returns 10 h 07 min
